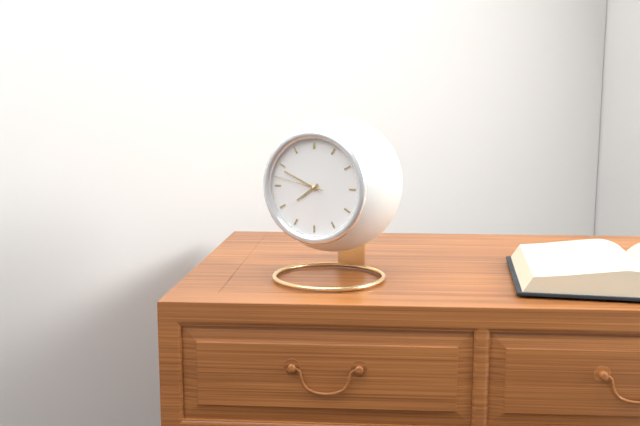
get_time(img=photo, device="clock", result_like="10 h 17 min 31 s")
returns 7 h 49 min 47 s
